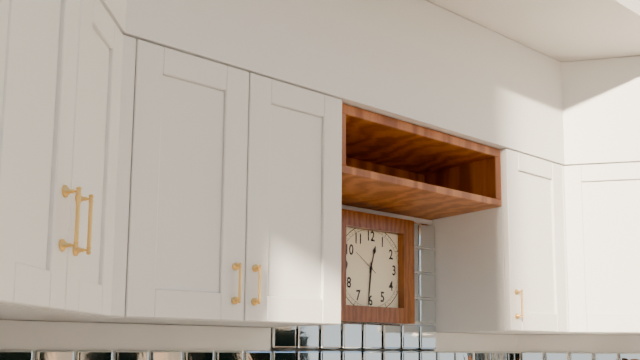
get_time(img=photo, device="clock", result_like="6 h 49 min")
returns 12 h 31 min
